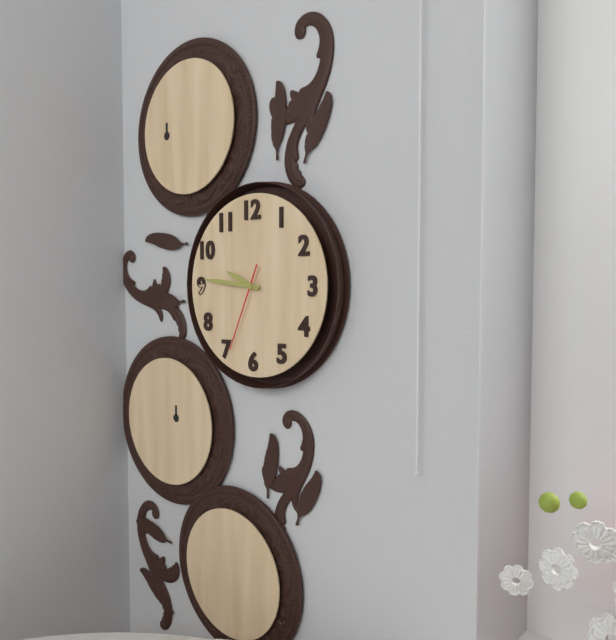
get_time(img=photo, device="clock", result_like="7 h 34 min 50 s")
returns 9 h 46 min 34 s
